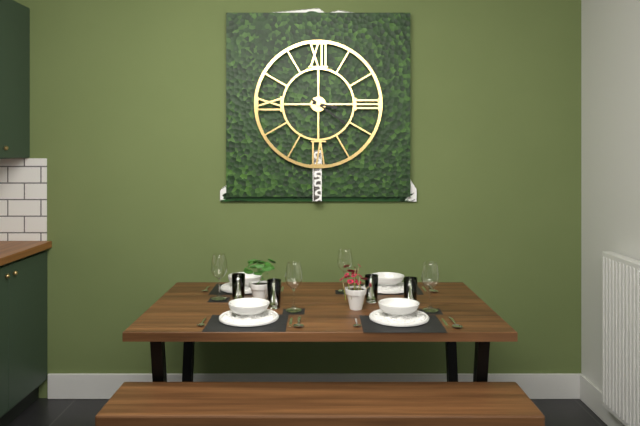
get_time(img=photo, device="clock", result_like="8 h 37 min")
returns 3 h 21 min
